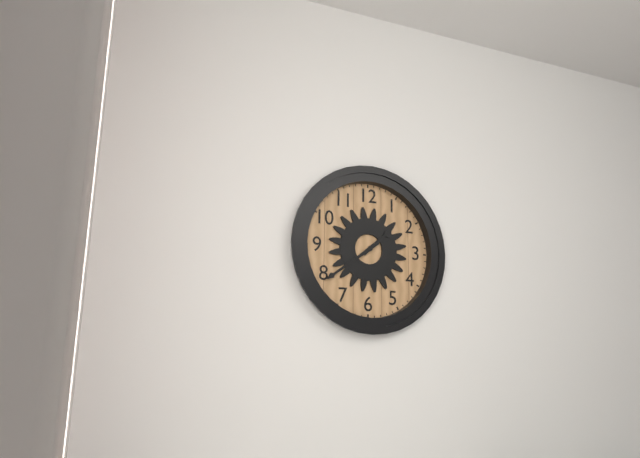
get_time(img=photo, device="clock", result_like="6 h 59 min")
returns 1 h 39 min
